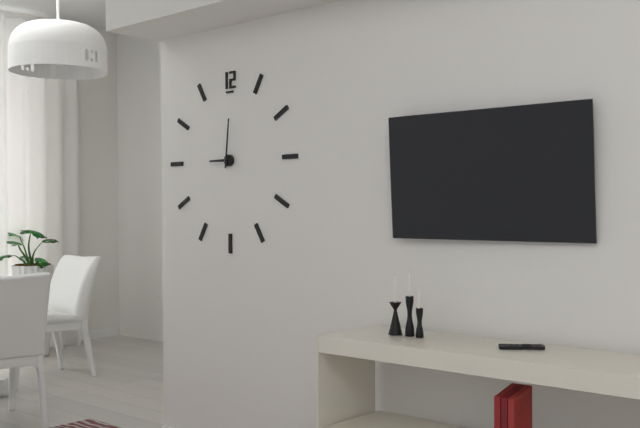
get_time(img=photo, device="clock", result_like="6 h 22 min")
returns 9 h 01 min
